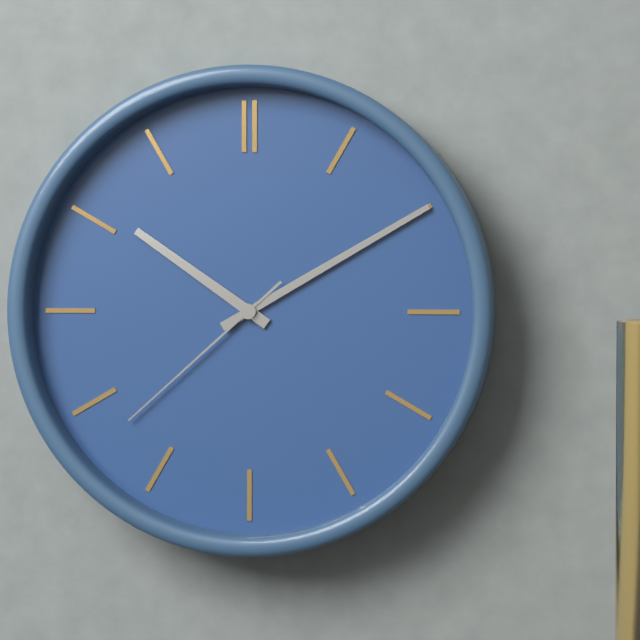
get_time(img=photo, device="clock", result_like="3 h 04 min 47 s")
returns 10 h 10 min 38 s
